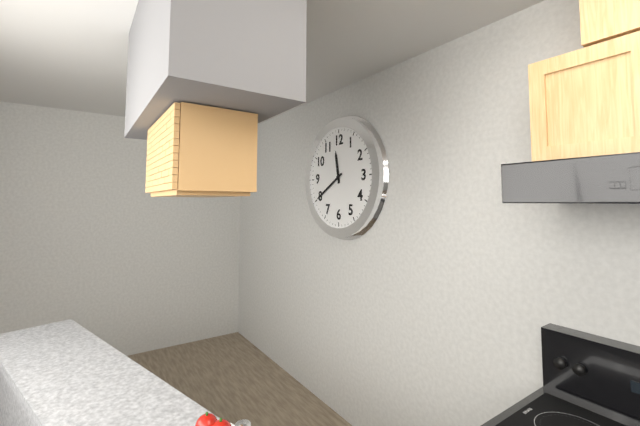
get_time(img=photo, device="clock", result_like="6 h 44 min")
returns 11 h 40 min
